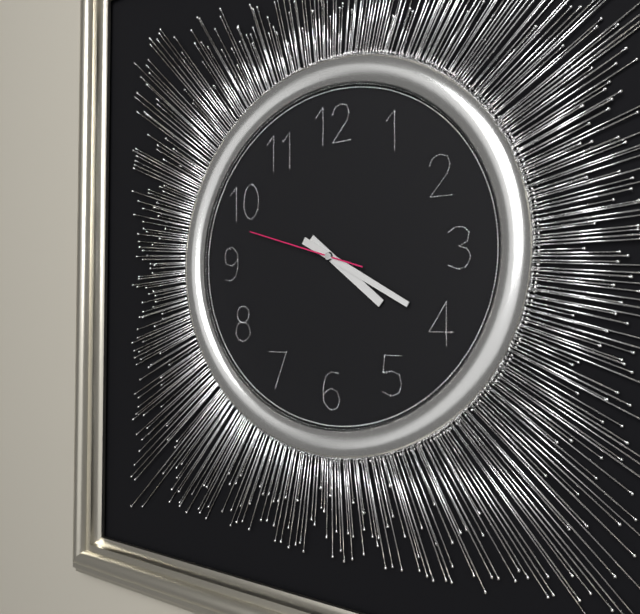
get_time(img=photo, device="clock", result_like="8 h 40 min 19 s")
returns 4 h 20 min 48 s
